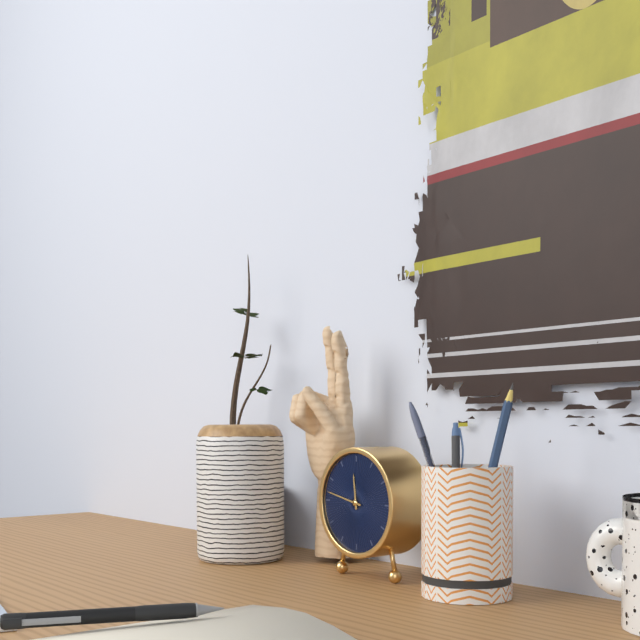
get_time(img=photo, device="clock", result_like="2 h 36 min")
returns 11 h 47 min
